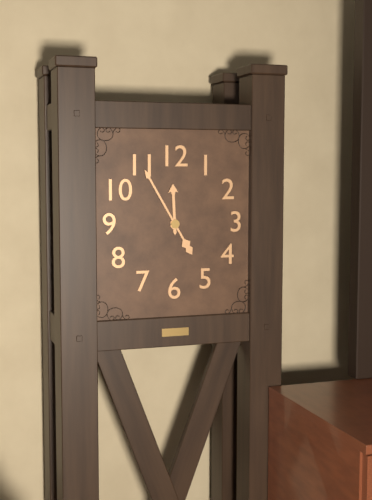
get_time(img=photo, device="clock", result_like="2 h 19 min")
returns 11 h 55 min
